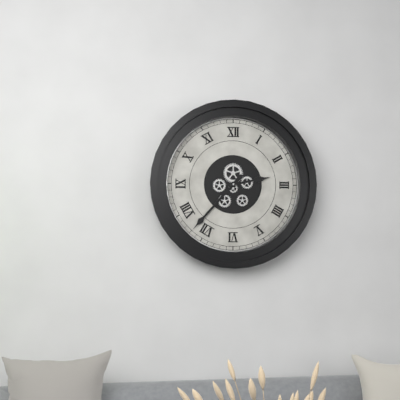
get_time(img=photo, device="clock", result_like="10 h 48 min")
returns 2 h 37 min
